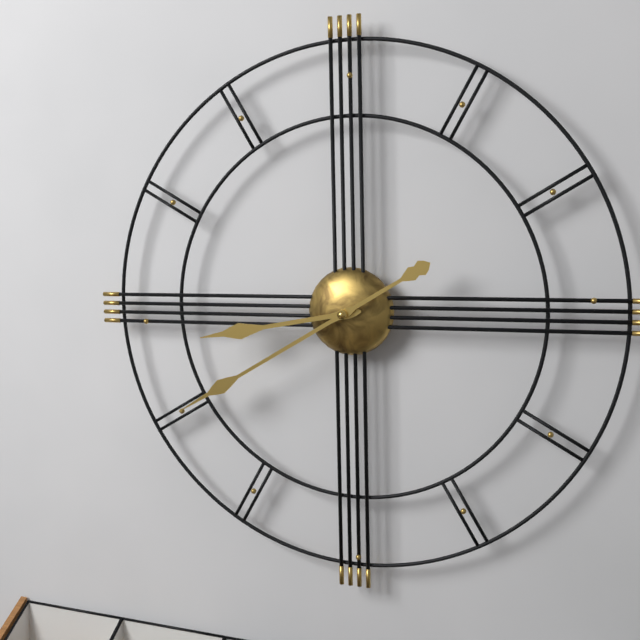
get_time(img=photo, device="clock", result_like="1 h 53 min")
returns 8 h 40 min
